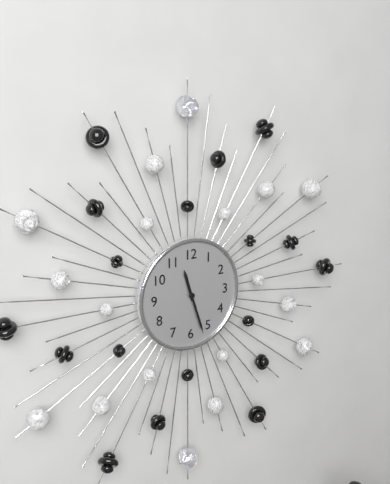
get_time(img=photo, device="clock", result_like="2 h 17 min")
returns 11 h 27 min
